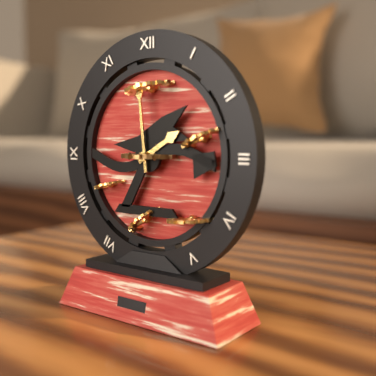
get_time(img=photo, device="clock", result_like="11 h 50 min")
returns 1 h 59 min
